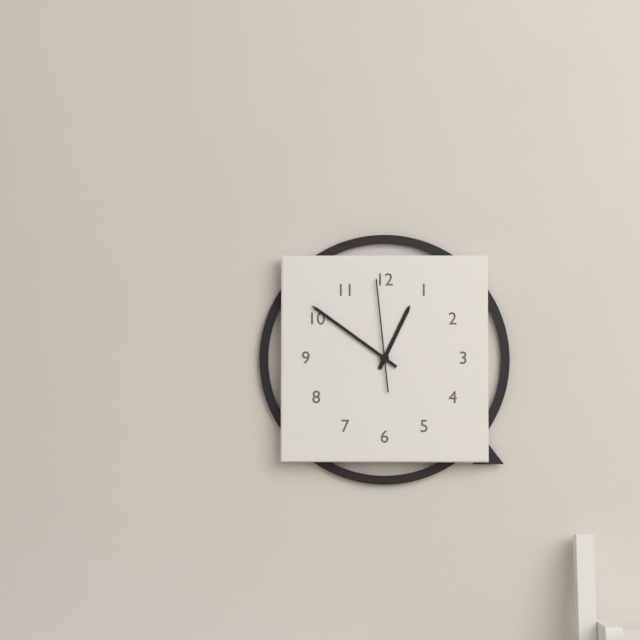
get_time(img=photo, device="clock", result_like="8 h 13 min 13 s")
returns 12 h 51 min 59 s
